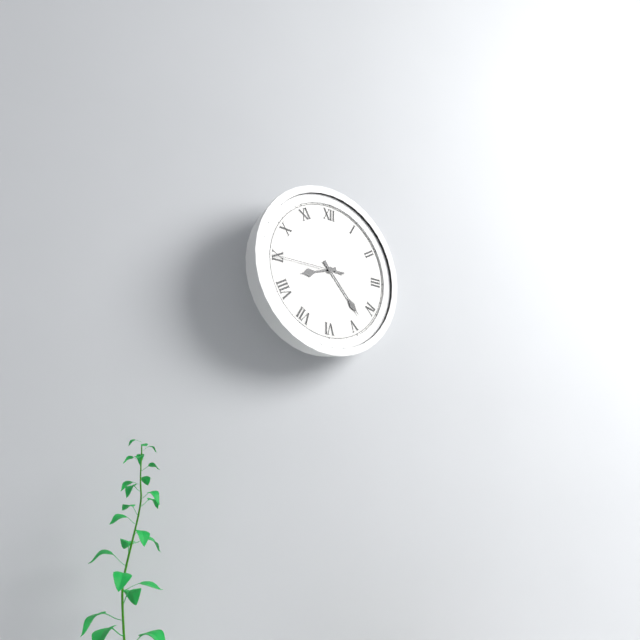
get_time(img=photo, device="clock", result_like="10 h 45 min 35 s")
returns 8 h 23 min 45 s
